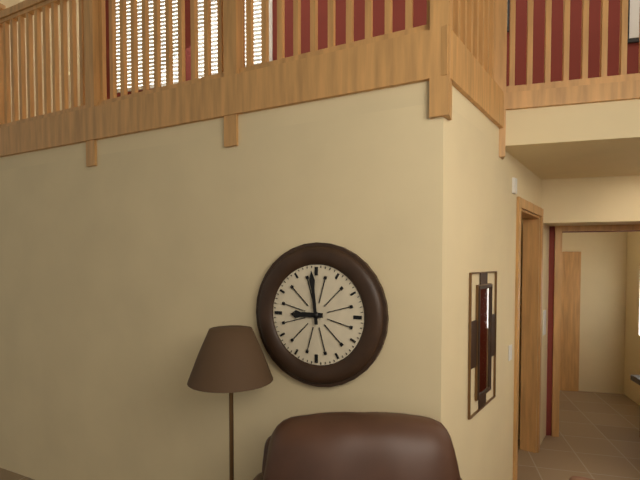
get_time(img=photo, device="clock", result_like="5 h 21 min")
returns 8 h 59 min
